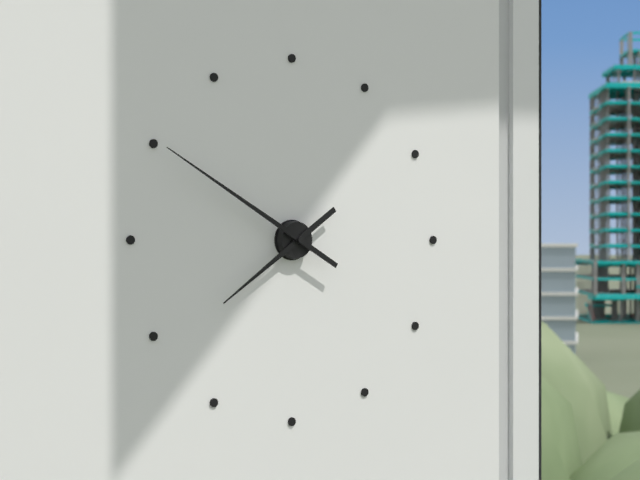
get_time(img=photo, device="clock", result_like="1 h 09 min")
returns 7 h 50 min
